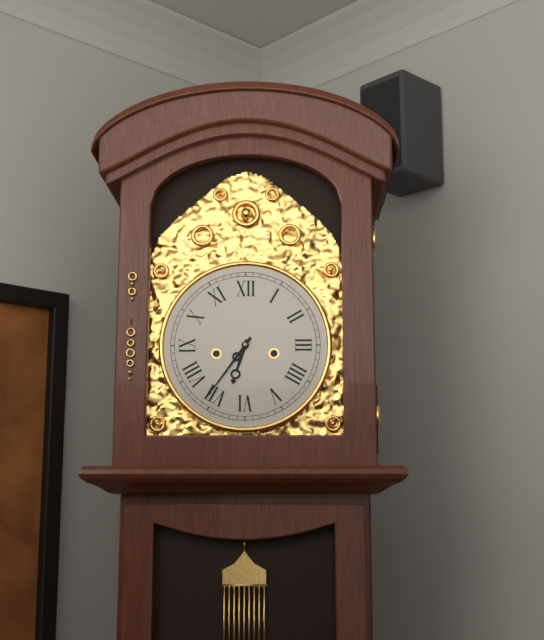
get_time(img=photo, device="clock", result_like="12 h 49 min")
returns 6 h 36 min
